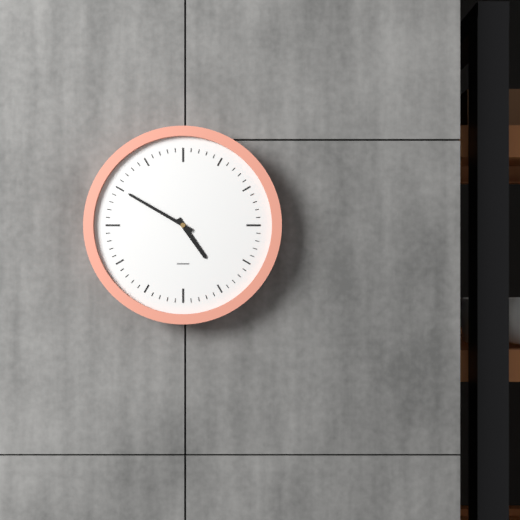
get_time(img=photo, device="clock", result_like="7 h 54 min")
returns 4 h 50 min
